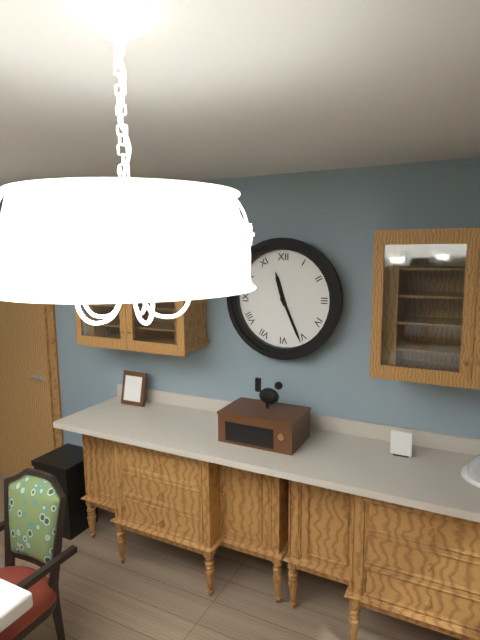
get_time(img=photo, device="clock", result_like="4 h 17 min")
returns 11 h 26 min
